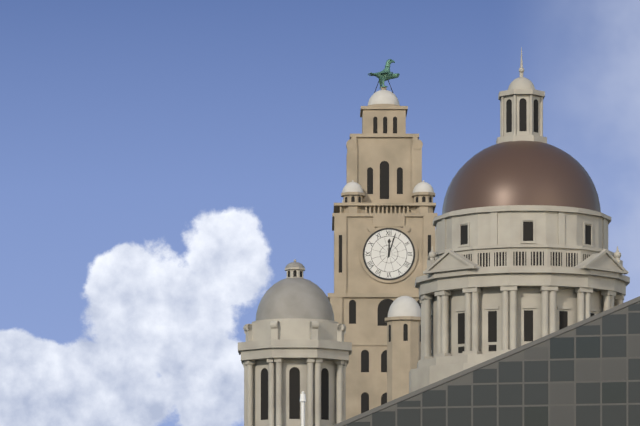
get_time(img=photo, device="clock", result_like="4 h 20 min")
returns 12 h 03 min
